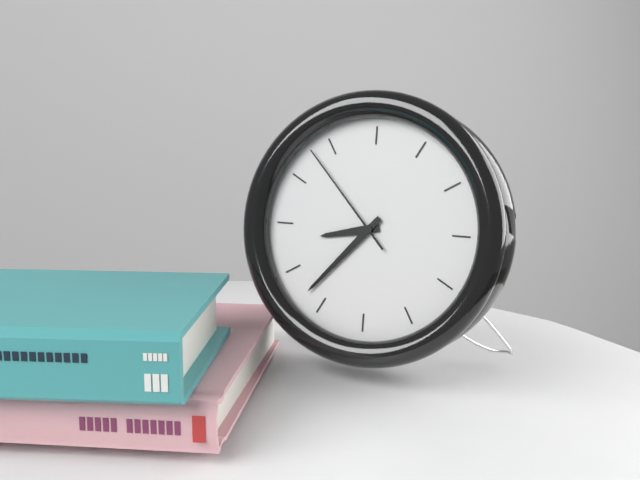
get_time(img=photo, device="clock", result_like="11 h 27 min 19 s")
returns 8 h 37 min 53 s
